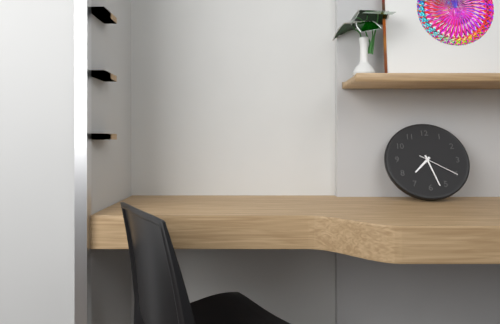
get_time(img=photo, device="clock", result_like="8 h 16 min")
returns 7 h 27 min
